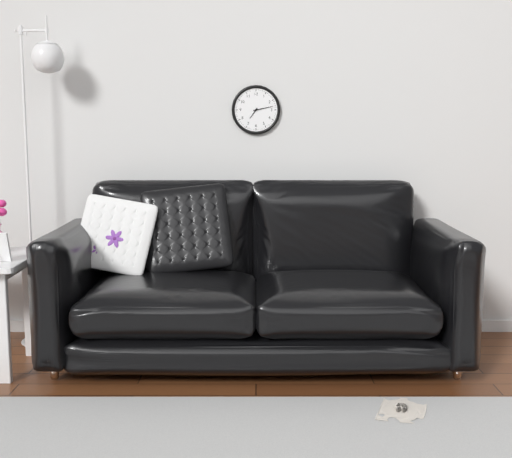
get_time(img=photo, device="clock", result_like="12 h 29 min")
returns 7 h 13 min
